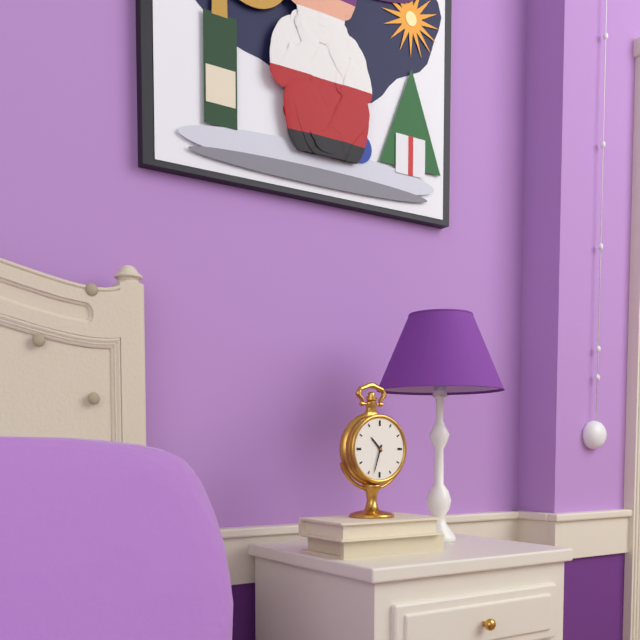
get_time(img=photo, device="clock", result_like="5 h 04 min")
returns 10 h 33 min
